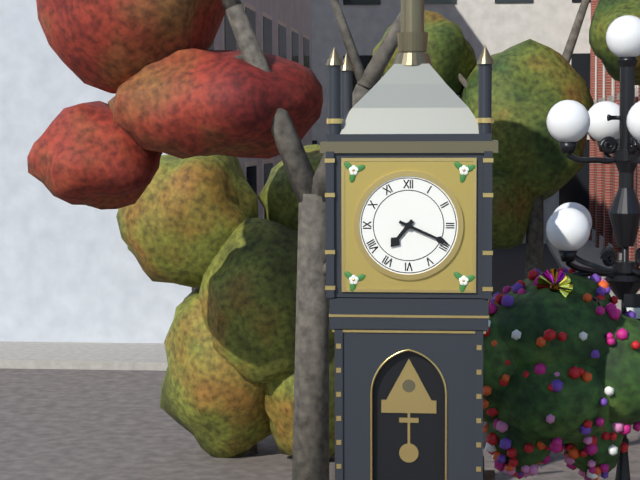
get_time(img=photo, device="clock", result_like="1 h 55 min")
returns 7 h 19 min
